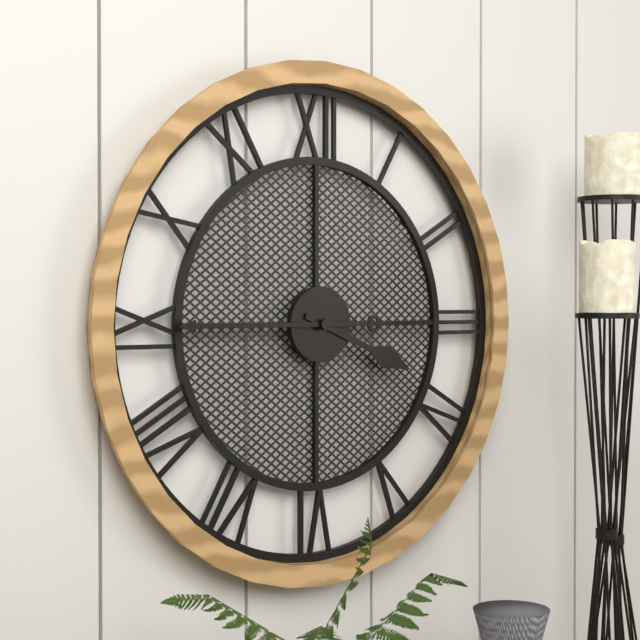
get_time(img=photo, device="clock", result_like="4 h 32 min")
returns 3 h 45 min
